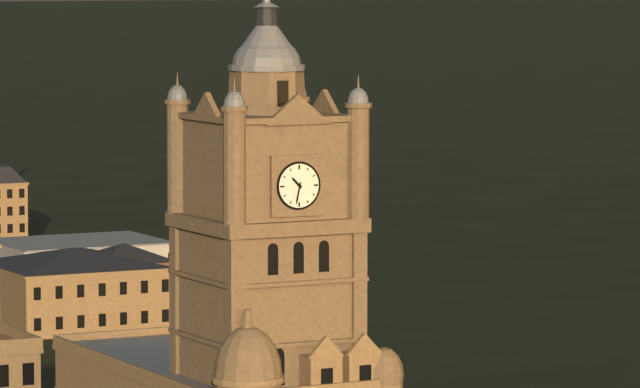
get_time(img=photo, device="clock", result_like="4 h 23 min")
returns 10 h 32 min
